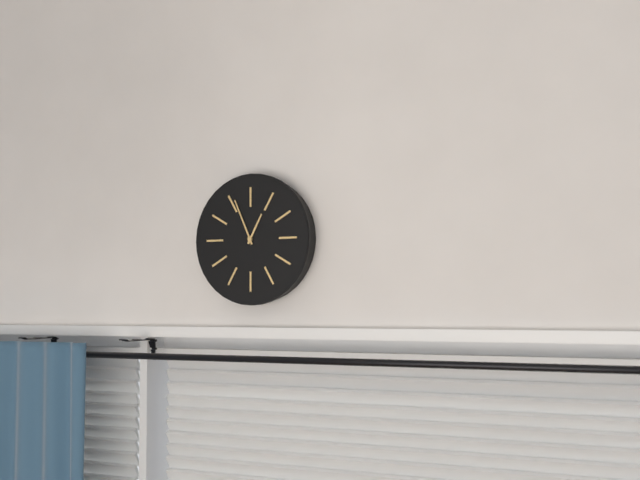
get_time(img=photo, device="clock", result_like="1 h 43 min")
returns 12 h 56 min
